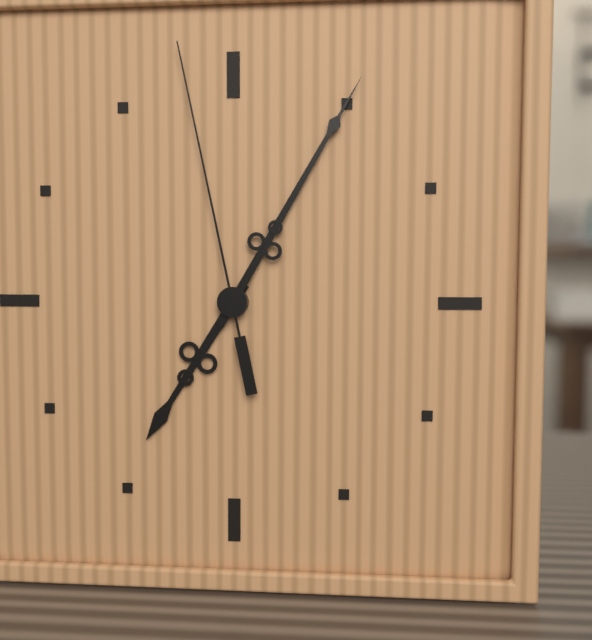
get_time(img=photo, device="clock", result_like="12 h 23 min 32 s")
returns 7 h 05 min 58 s
